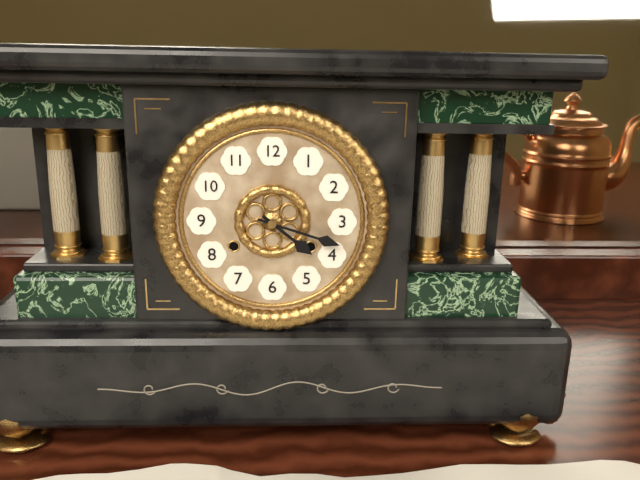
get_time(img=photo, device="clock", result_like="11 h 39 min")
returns 4 h 18 min
